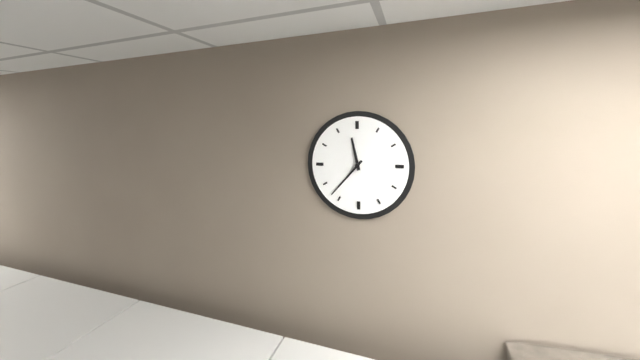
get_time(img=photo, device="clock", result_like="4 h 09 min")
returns 11 h 37 min
